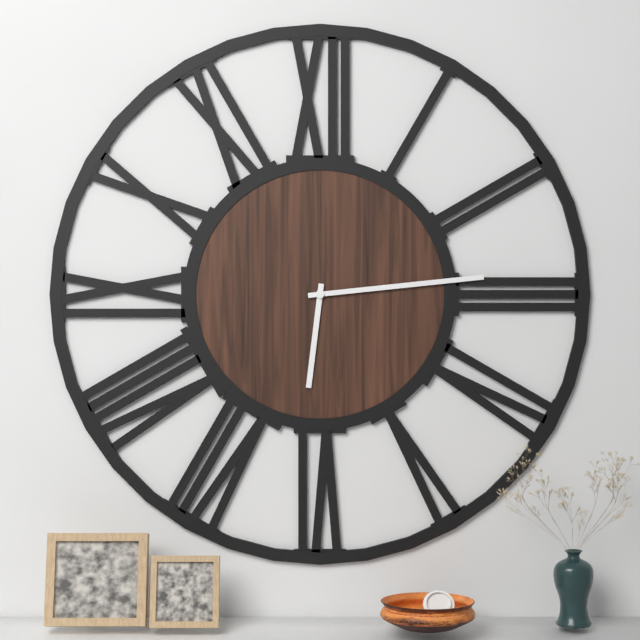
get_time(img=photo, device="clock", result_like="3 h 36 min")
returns 6 h 14 min
